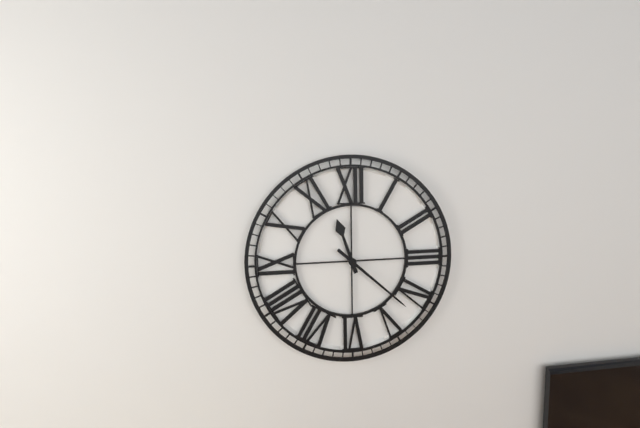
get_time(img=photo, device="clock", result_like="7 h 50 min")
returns 11 h 22 min
